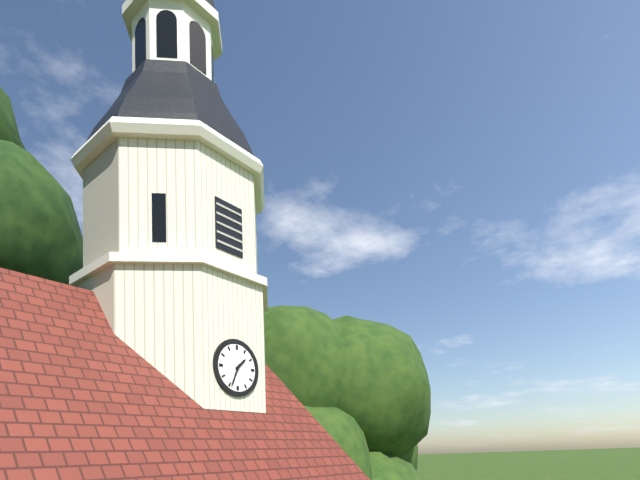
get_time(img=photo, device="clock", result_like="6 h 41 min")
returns 1 h 34 min
